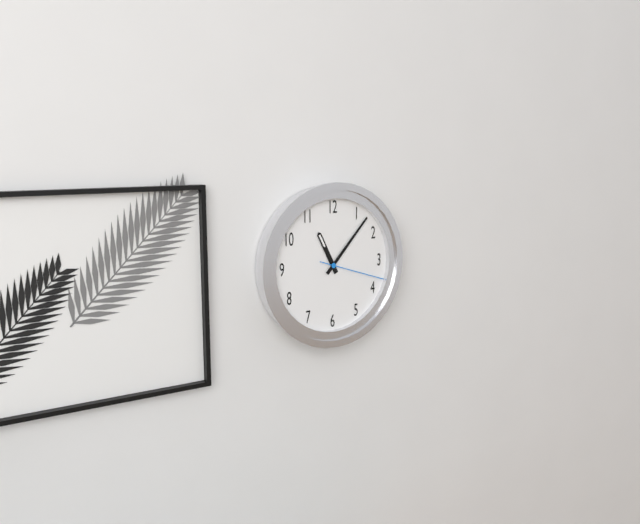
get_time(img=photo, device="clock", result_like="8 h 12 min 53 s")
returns 11 h 07 min 18 s
